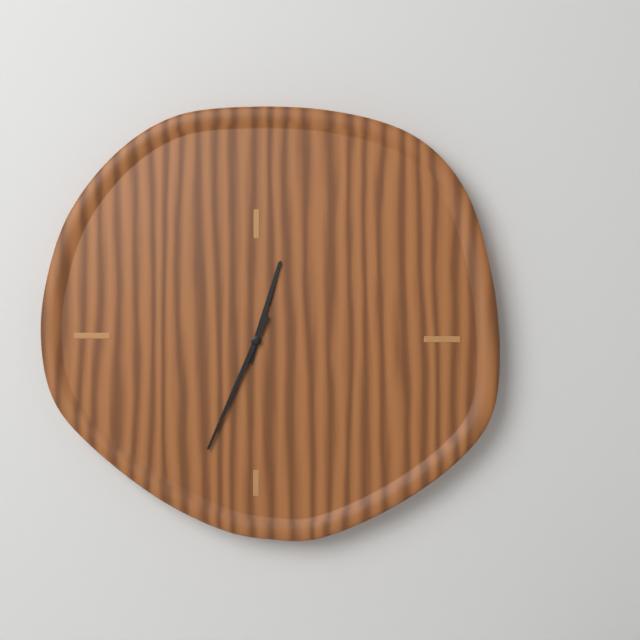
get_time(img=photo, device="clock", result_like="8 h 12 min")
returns 12 h 34 min
